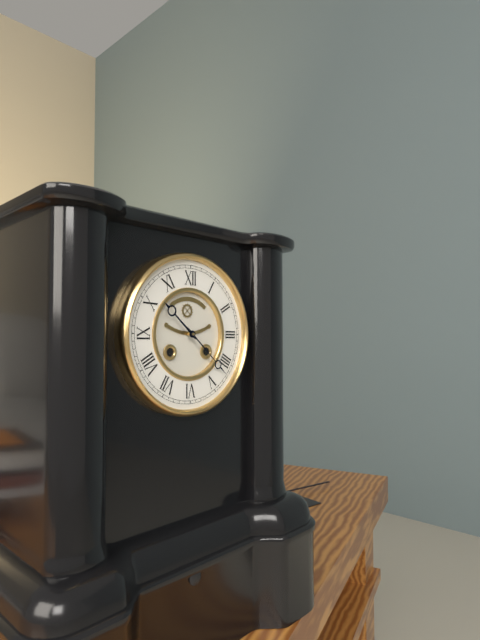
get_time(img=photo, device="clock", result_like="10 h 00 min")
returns 10 h 22 min
